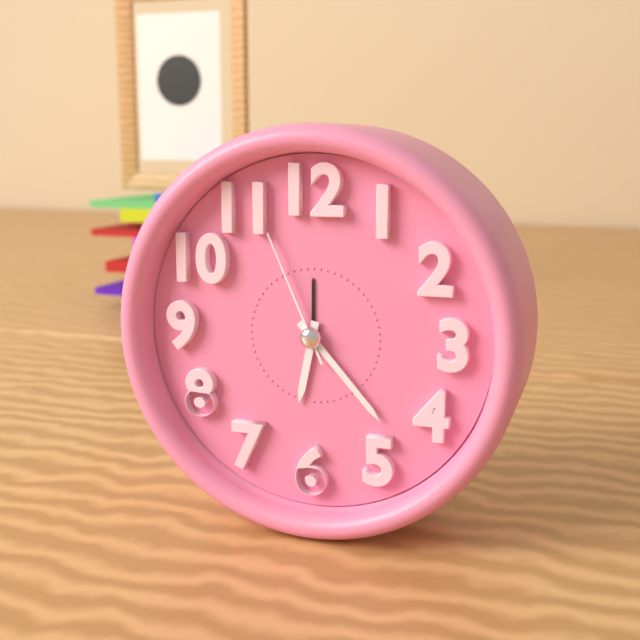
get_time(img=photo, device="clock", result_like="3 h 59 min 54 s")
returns 6 h 23 min 56 s
